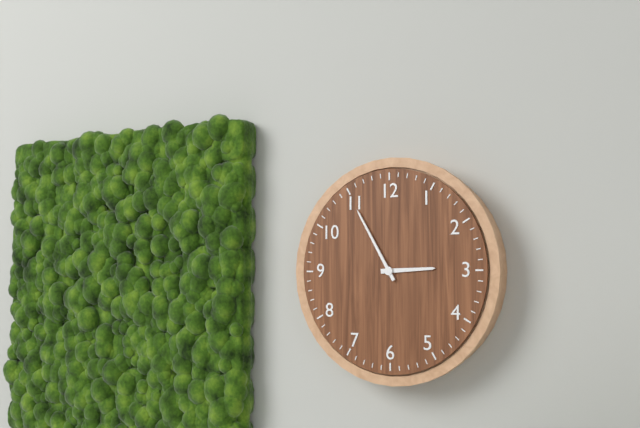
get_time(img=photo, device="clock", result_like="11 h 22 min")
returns 2 h 55 min
